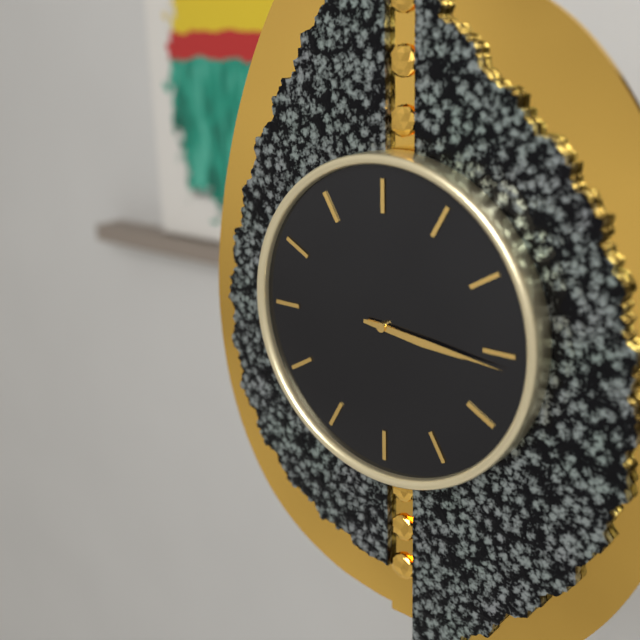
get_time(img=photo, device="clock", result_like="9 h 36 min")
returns 3 h 16 min
